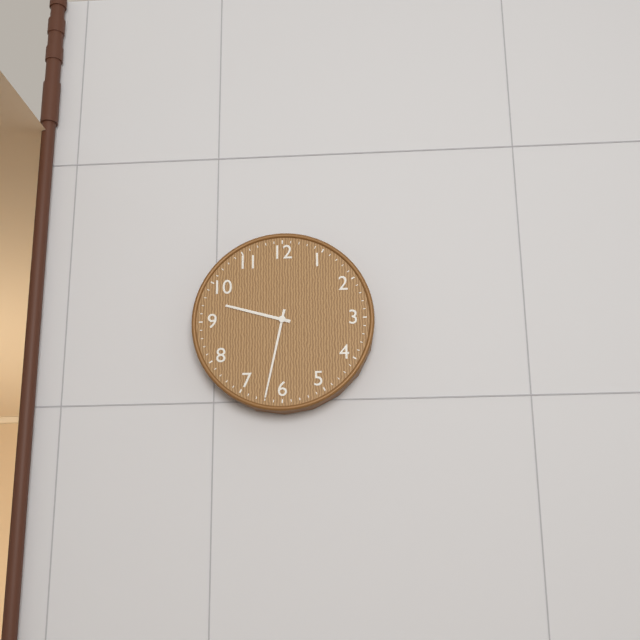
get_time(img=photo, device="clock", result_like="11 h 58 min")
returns 9 h 32 min
